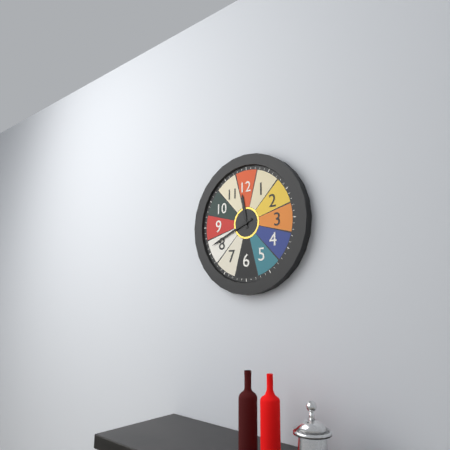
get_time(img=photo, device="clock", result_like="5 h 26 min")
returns 11 h 41 min
